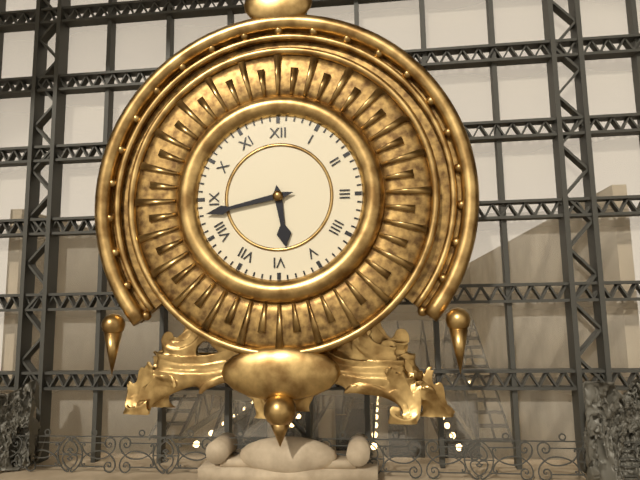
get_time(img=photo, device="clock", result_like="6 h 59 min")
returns 5 h 43 min
